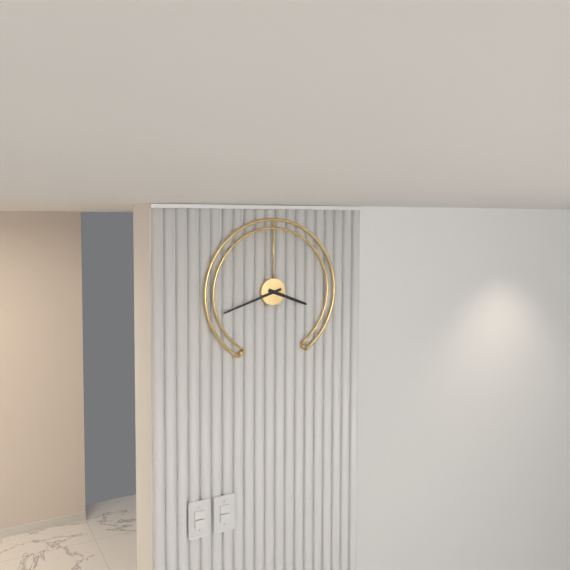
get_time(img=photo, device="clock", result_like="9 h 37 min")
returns 3 h 42 min
